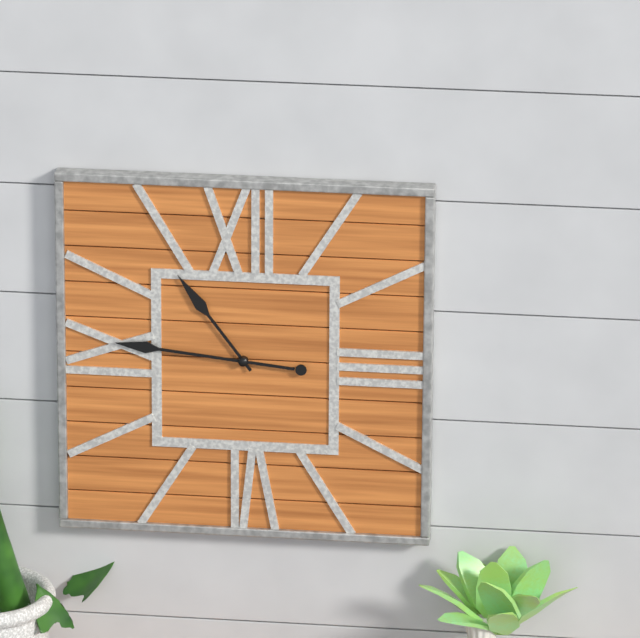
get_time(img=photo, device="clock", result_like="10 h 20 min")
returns 10 h 46 min
